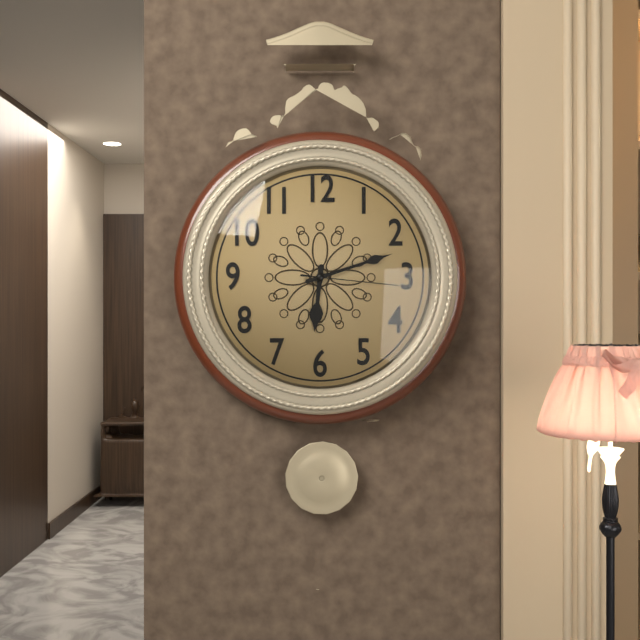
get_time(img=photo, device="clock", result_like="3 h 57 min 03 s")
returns 6 h 12 min 16 s
